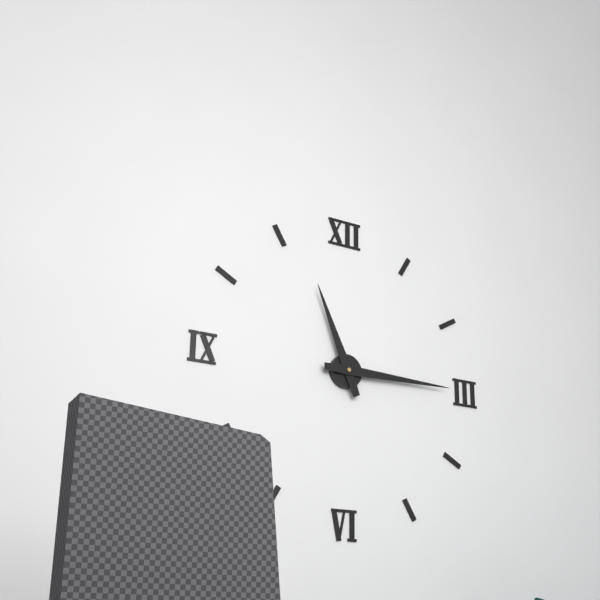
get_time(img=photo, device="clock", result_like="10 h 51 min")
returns 11 h 15 min
